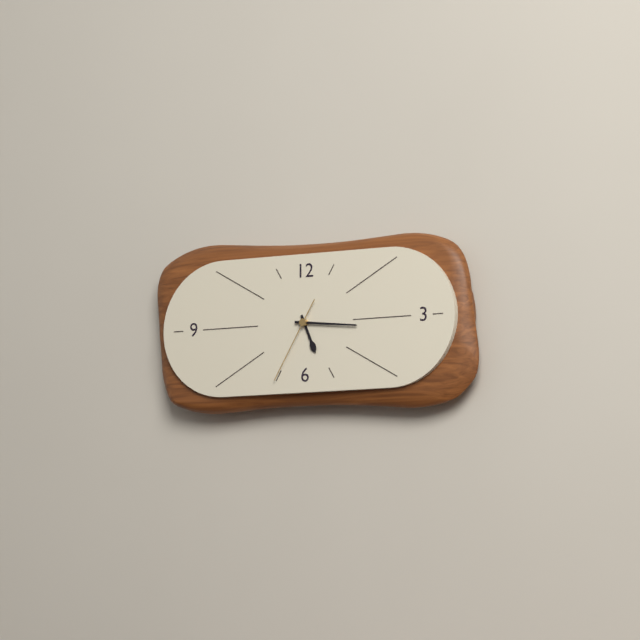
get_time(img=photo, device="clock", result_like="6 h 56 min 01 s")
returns 5 h 16 min 35 s
